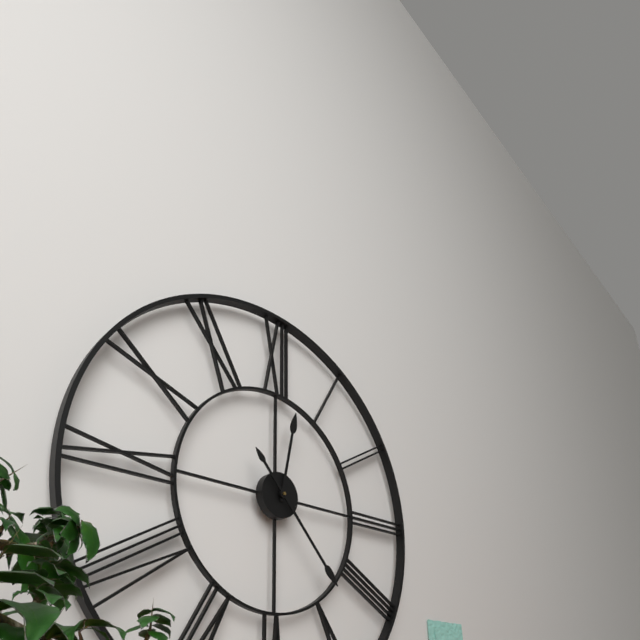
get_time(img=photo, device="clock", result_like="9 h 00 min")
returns 12 h 23 min
